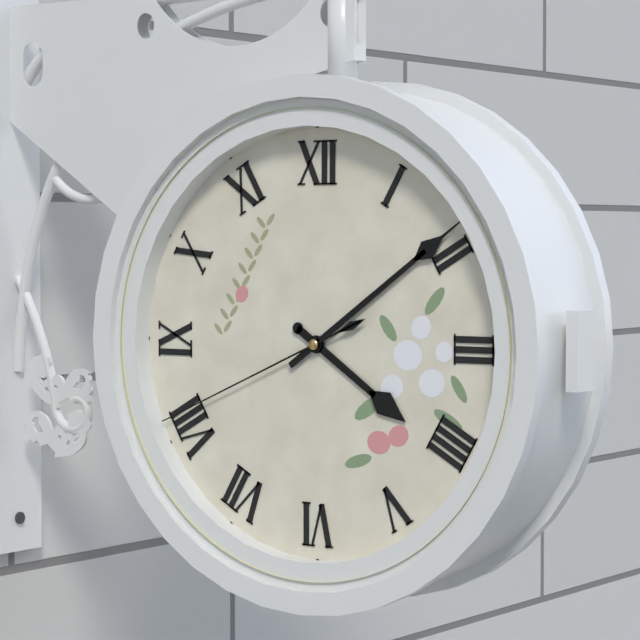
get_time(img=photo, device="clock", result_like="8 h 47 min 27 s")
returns 4 h 09 min 41 s
